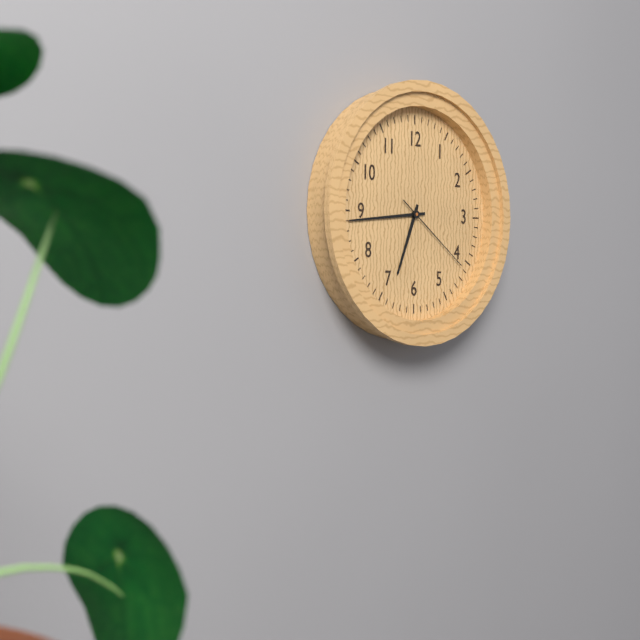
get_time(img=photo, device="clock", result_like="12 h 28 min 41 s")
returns 6 h 44 min 21 s
